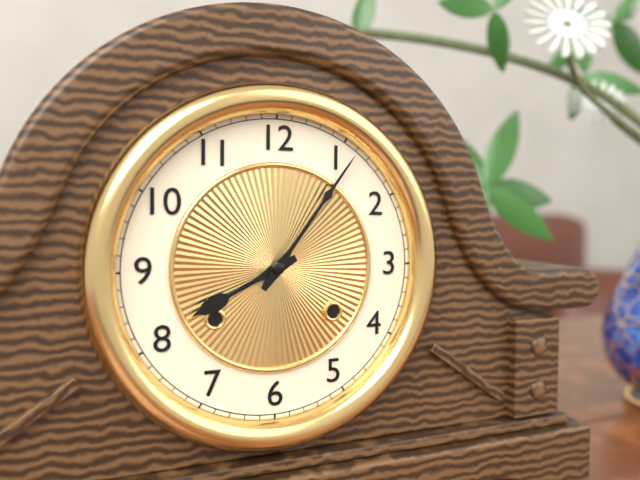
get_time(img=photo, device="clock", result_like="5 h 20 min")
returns 8 h 06 min
